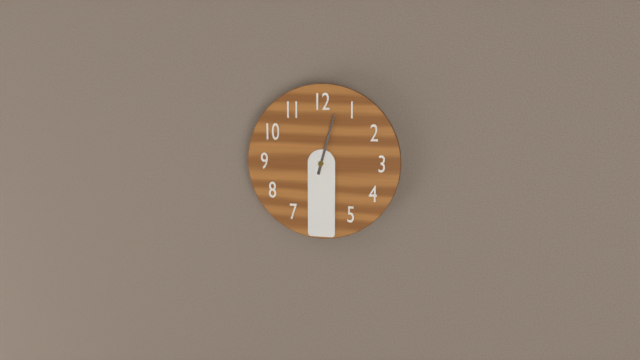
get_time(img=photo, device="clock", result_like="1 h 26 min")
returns 12 h 30 min
